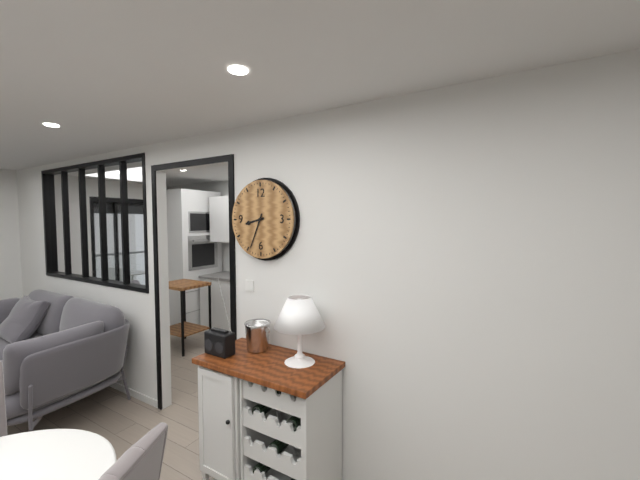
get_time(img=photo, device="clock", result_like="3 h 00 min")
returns 8 h 34 min
